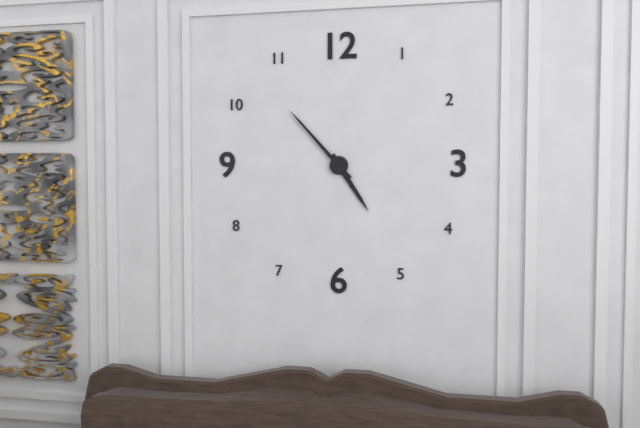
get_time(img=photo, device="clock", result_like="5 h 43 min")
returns 4 h 53 min
